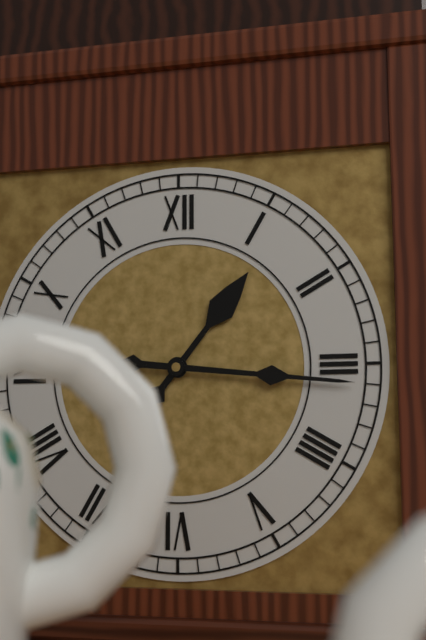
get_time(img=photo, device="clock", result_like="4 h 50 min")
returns 1 h 16 min
